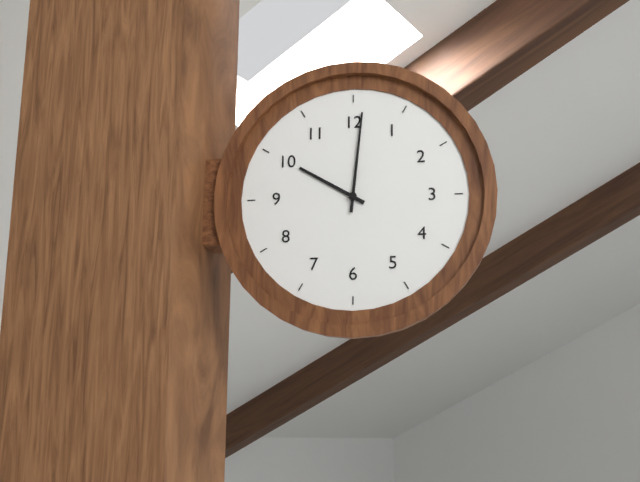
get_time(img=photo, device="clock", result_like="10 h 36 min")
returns 10 h 01 min
